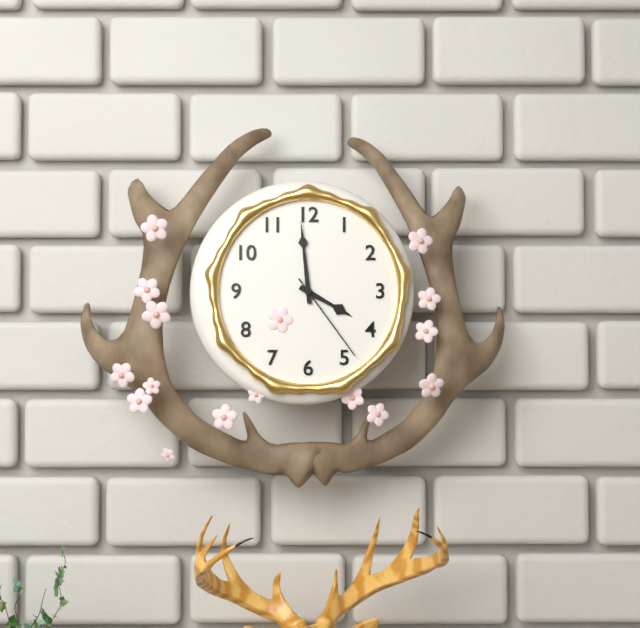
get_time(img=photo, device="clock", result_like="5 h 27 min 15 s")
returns 3 h 59 min 24 s
